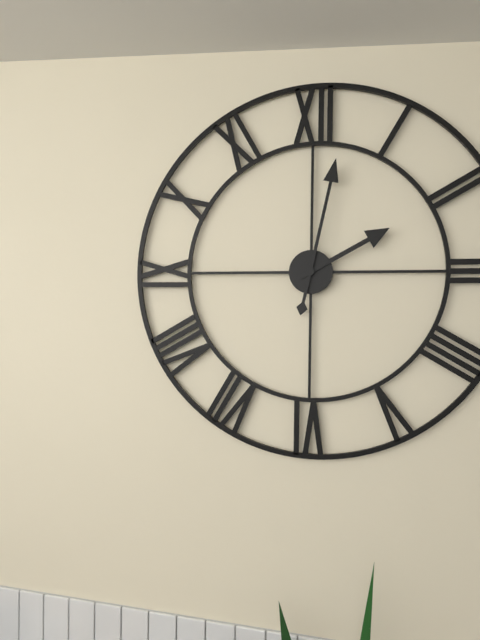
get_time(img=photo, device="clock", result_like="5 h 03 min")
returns 2 h 02 min
